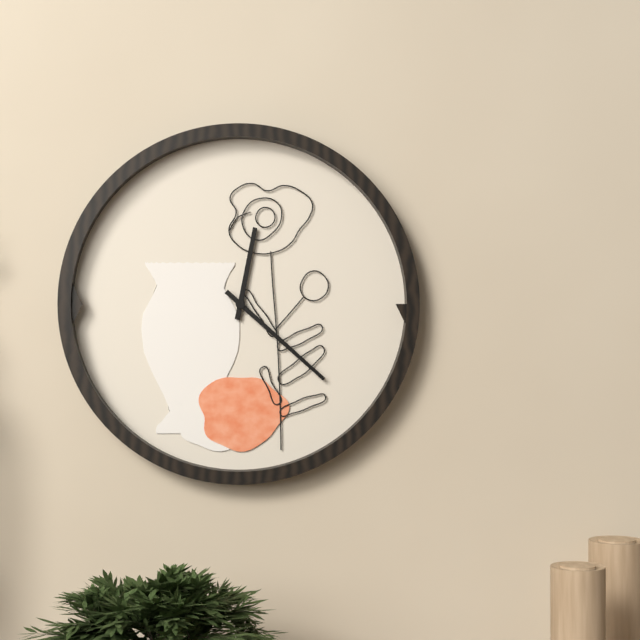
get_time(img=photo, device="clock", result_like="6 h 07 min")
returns 12 h 22 min
